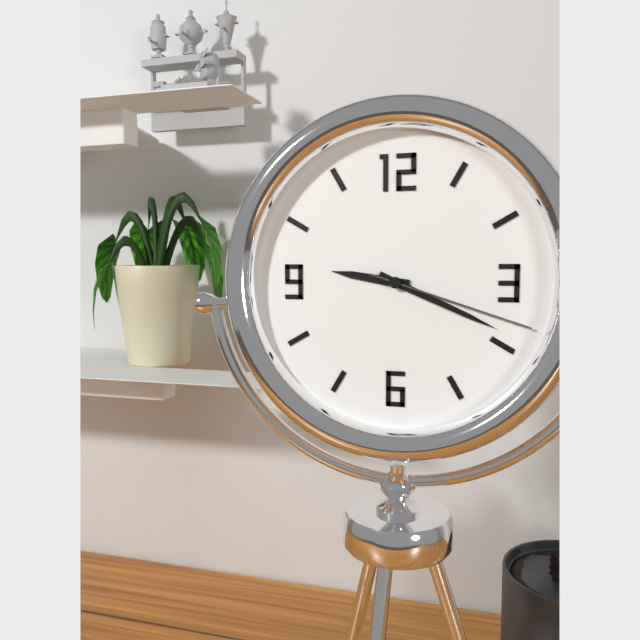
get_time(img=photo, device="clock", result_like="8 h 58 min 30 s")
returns 9 h 19 min 18 s
